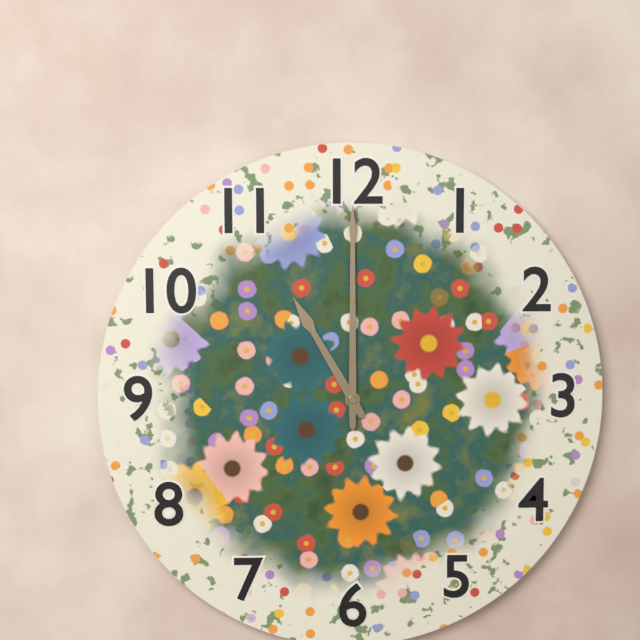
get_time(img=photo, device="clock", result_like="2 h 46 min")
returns 11 h 00 min
